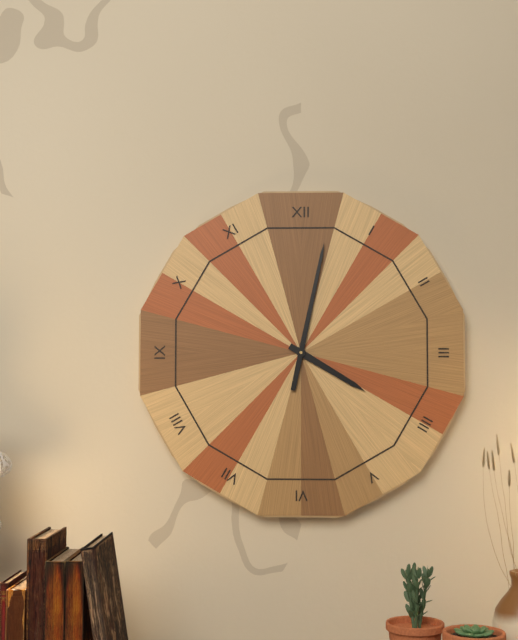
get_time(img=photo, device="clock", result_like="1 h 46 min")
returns 4 h 02 min
